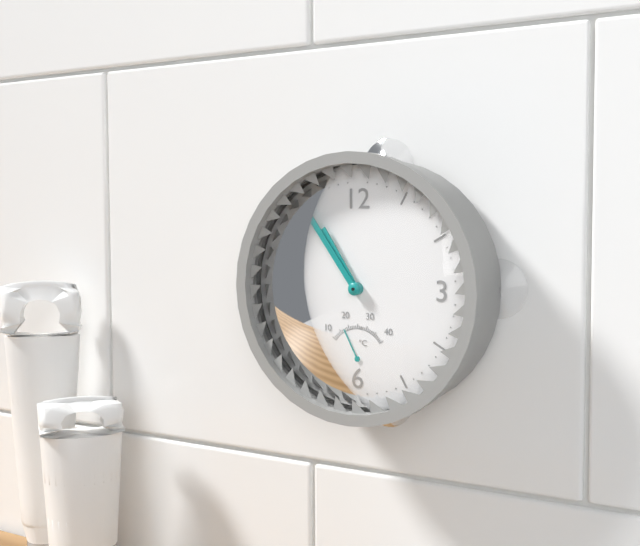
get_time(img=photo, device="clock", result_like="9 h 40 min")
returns 10 h 54 min
